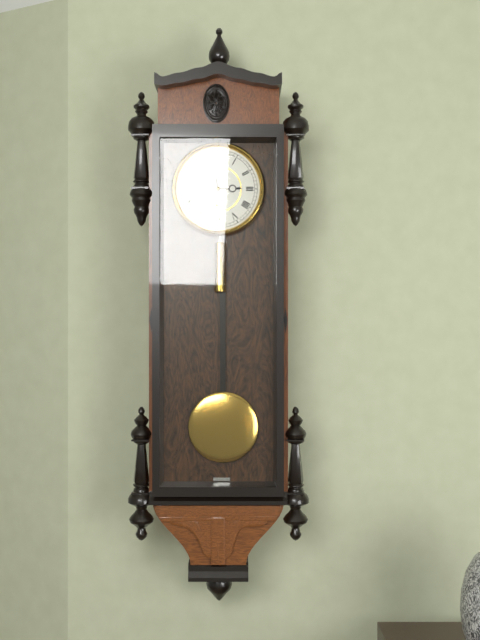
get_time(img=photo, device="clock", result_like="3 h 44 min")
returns 2 h 58 min
